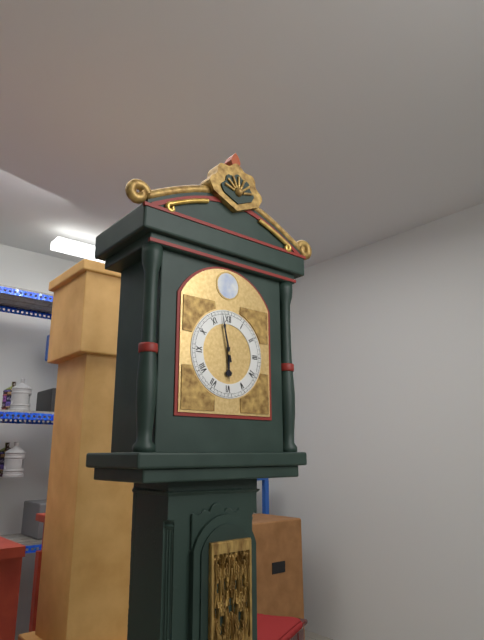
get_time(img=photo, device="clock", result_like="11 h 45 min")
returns 5 h 58 min
